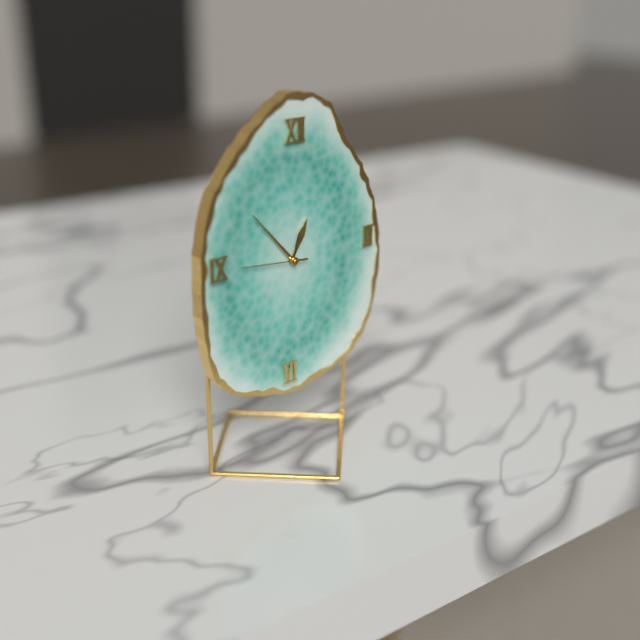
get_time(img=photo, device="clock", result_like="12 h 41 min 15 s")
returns 12 h 53 min 46 s
